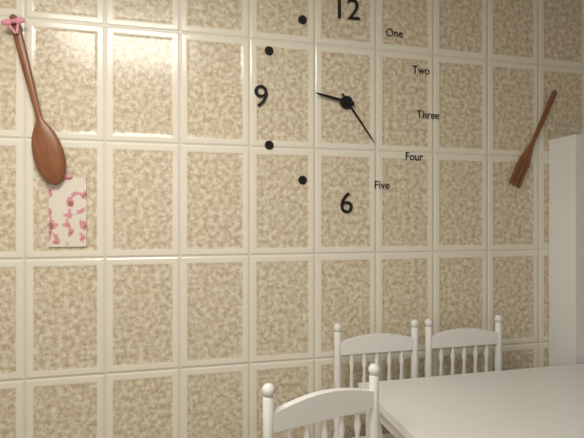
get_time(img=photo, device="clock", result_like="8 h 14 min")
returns 9 h 24 min
